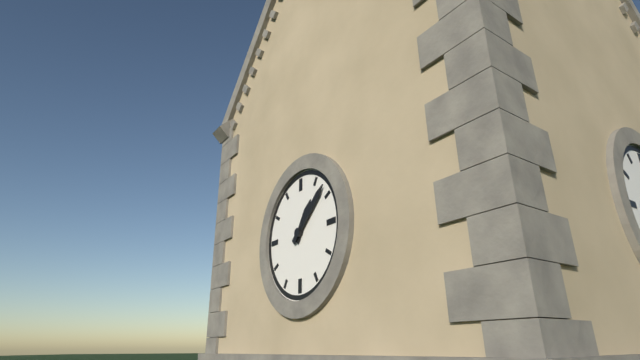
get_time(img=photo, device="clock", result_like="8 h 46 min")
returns 1 h 08 min
